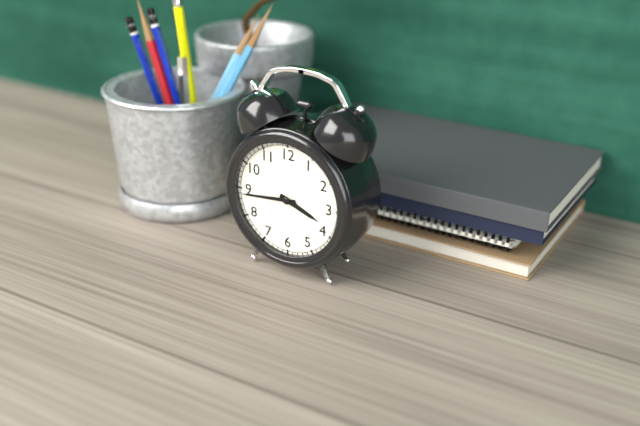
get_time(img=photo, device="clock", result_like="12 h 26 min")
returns 3 h 44 min
